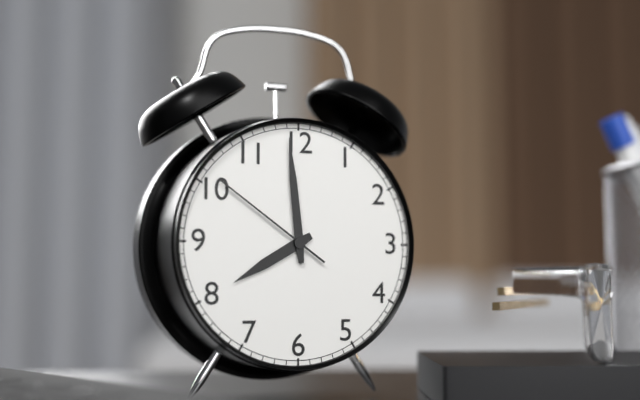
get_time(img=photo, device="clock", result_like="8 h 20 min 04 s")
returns 7 h 59 min 51 s
